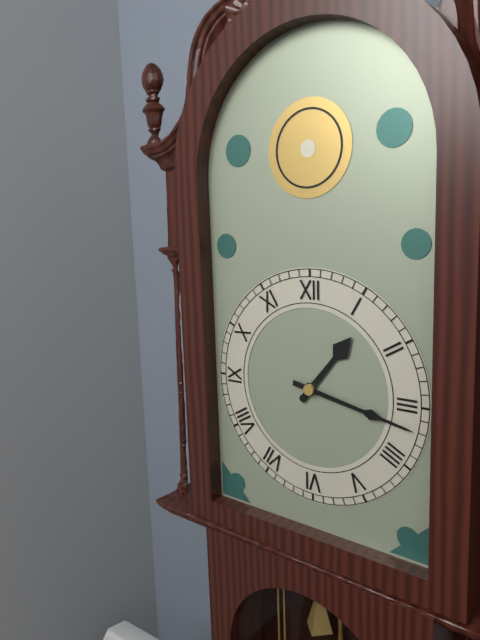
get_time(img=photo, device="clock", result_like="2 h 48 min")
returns 1 h 17 min
